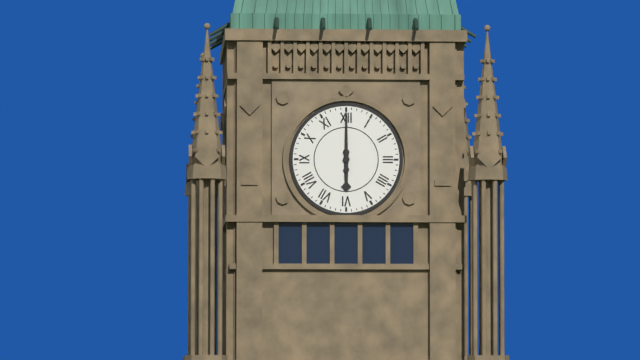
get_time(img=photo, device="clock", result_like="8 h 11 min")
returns 6 h 00 min
